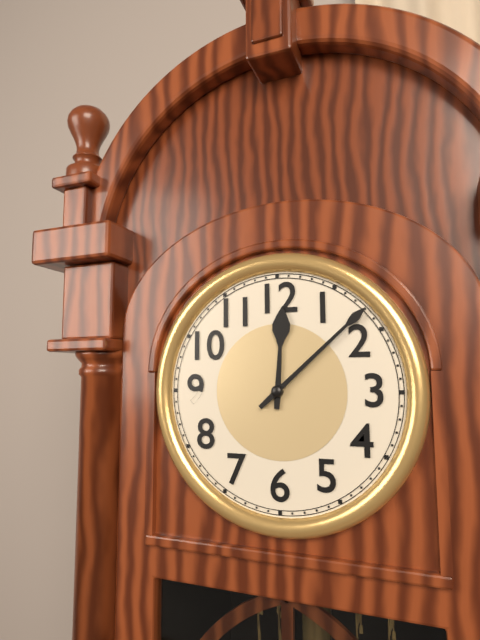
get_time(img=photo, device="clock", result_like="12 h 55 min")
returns 12 h 08 min
